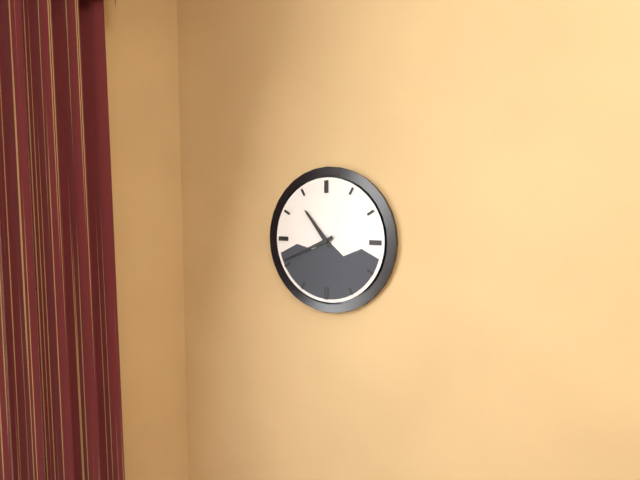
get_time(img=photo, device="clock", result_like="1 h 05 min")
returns 10 h 41 min
